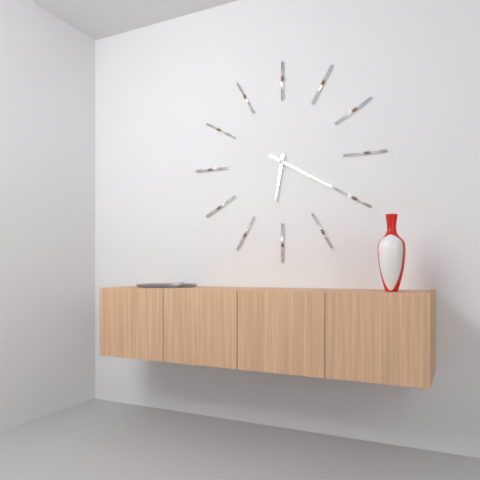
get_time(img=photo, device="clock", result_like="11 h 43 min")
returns 6 h 20 min
